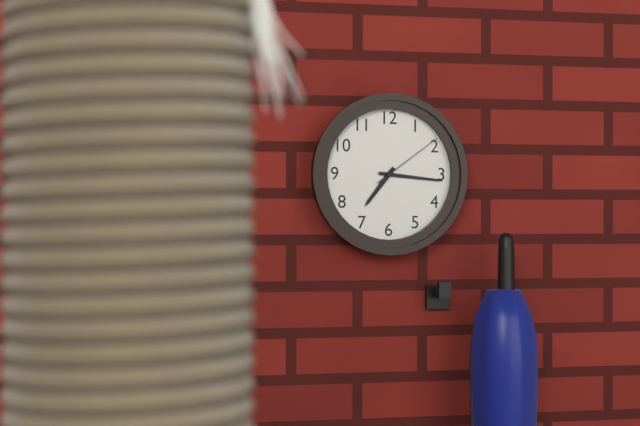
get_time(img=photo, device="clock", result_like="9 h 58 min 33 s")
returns 7 h 16 min 09 s
